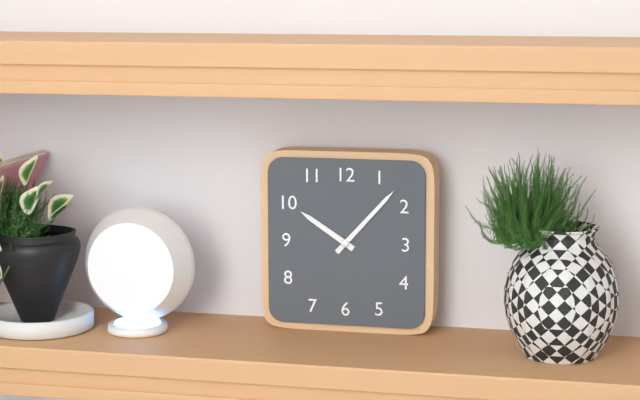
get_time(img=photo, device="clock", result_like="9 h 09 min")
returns 10 h 07 min
